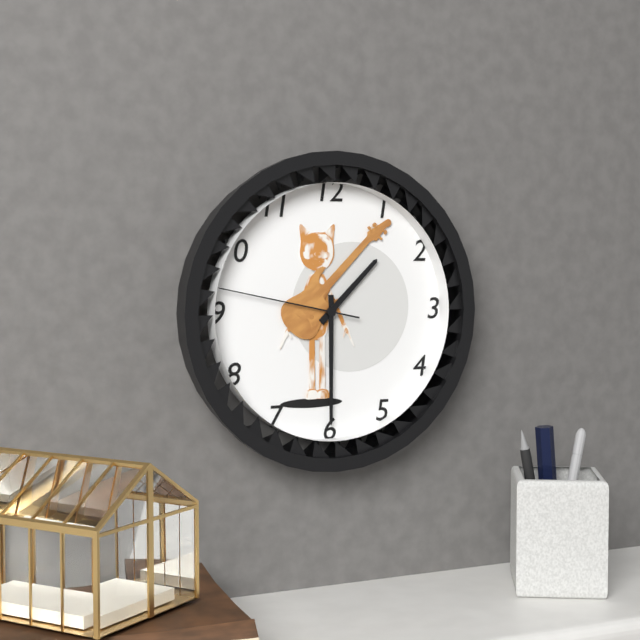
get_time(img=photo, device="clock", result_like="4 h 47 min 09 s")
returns 1 h 30 min 47 s
